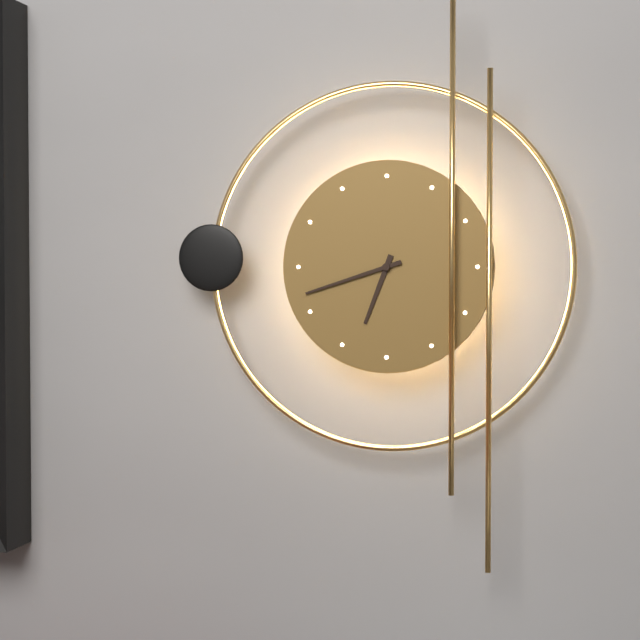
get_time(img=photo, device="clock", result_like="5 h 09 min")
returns 6 h 42 min
